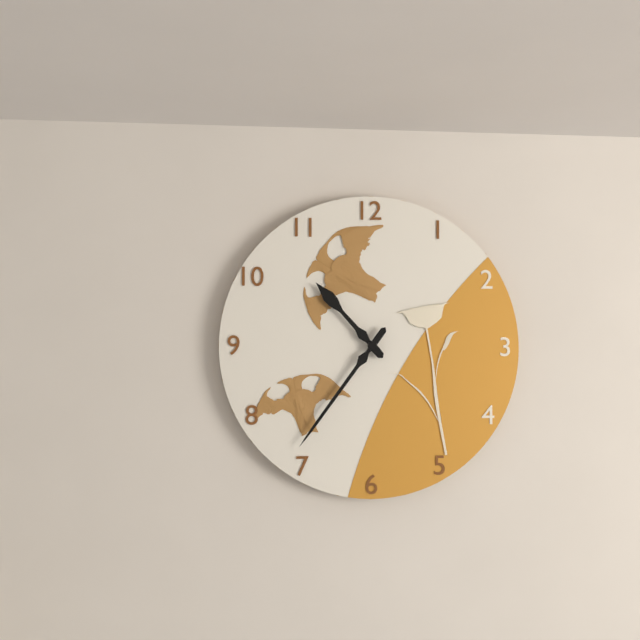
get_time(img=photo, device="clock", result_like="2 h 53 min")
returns 10 h 36 min
